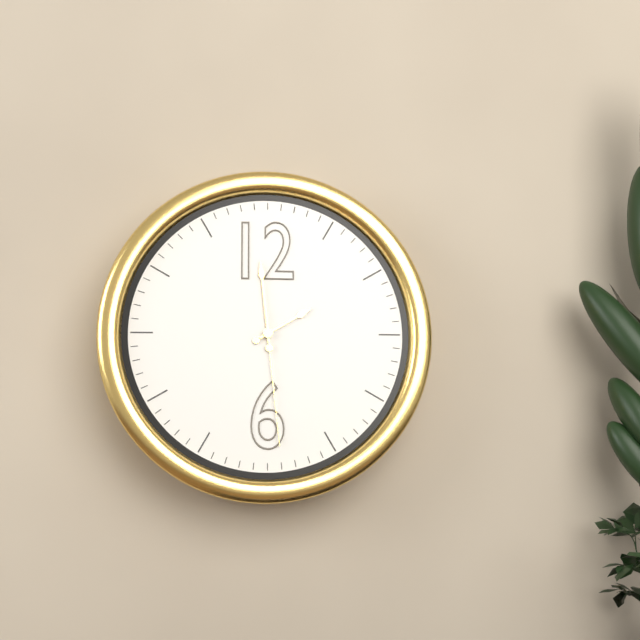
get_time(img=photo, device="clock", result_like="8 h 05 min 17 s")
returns 1 h 59 min 29 s
